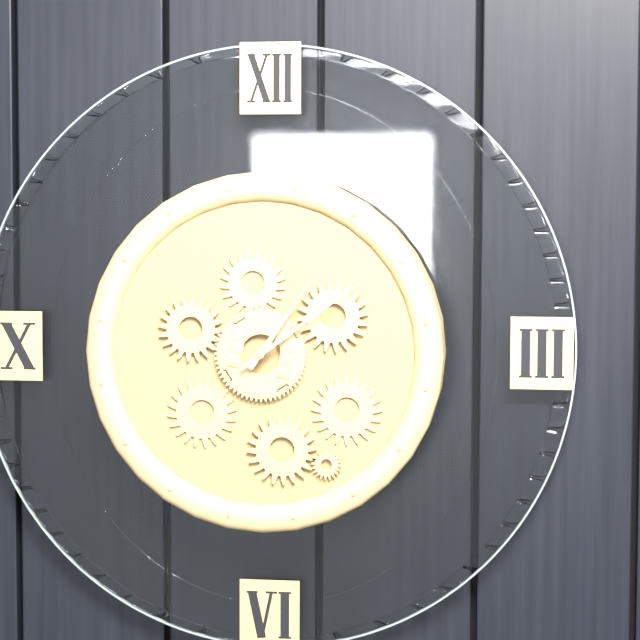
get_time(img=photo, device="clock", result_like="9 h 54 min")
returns 1 h 09 min
